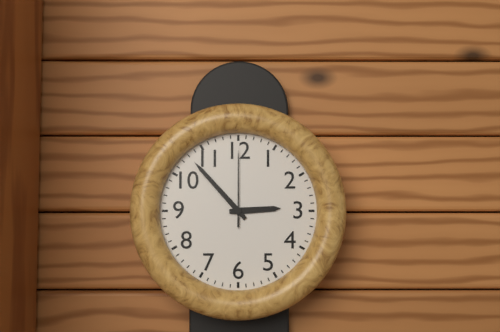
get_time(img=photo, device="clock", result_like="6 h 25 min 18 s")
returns 2 h 53 min 00 s
